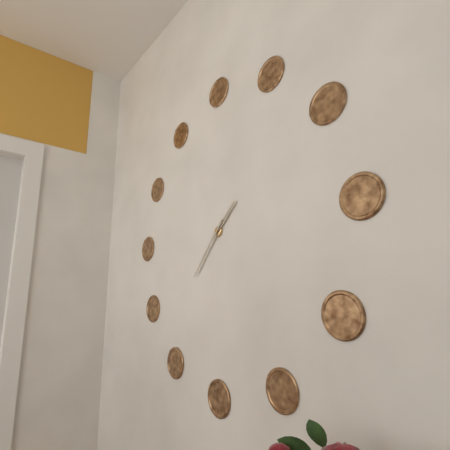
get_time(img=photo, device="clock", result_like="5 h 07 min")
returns 1 h 37 min
